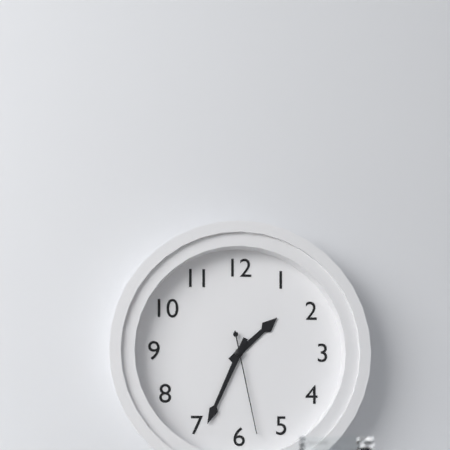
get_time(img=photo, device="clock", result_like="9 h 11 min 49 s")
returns 1 h 34 min 28 s
